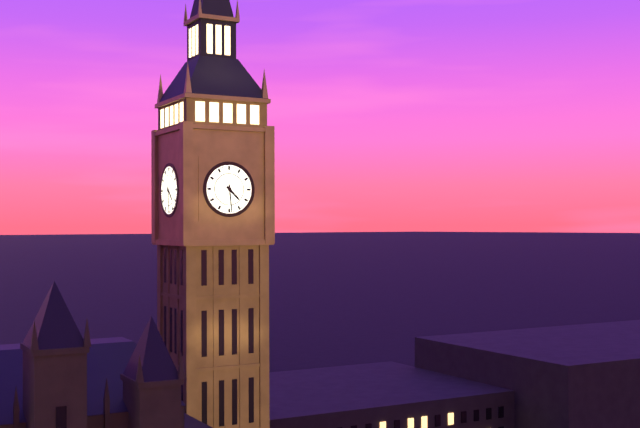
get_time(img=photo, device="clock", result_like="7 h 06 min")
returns 4 h 29 min
